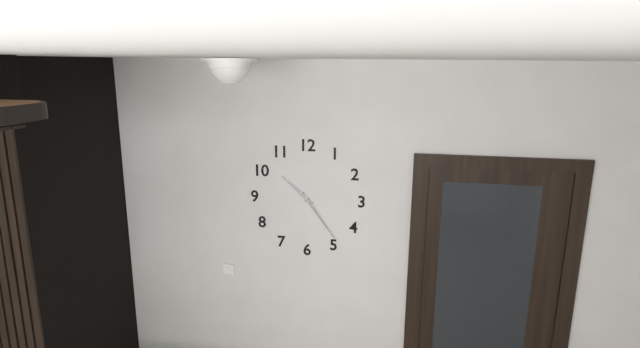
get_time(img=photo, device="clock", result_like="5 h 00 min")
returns 10 h 24 min
